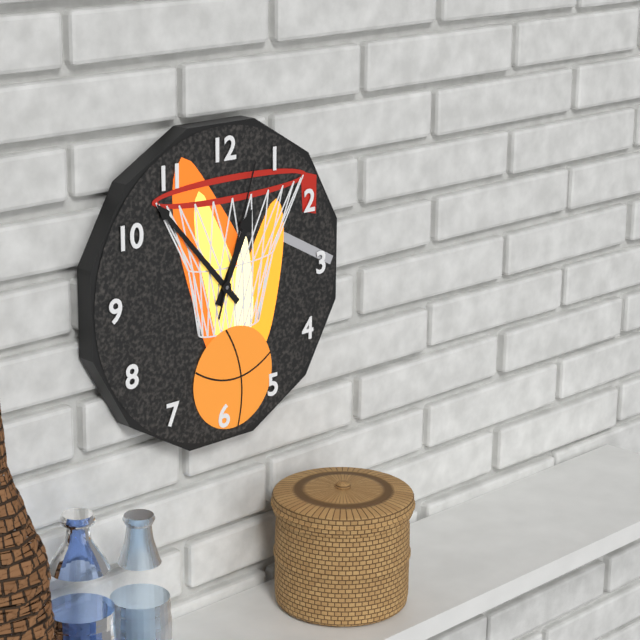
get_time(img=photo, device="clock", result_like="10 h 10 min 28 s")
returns 12 h 53 min 03 s
